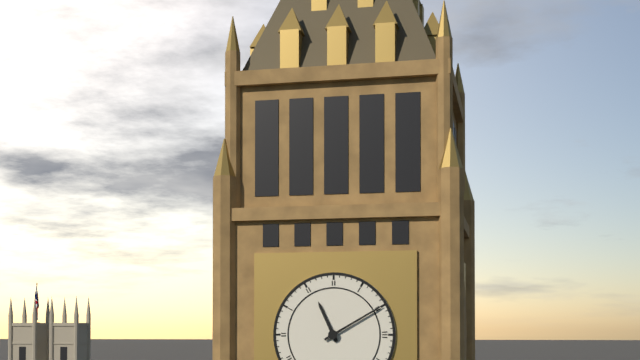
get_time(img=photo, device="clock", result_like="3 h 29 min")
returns 11 h 10 min
